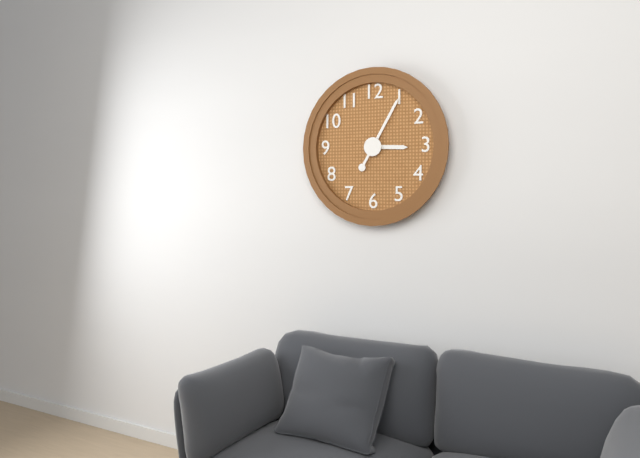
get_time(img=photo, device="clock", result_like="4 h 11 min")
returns 3 h 05 min
